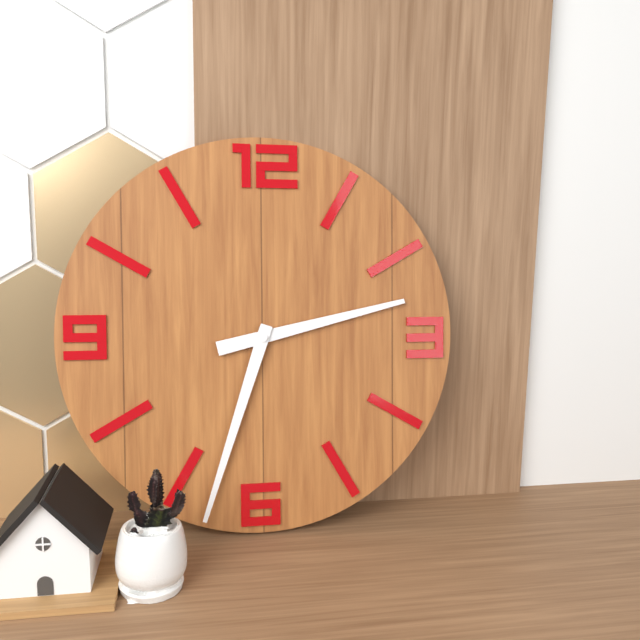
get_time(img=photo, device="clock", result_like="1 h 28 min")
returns 2 h 33 min
